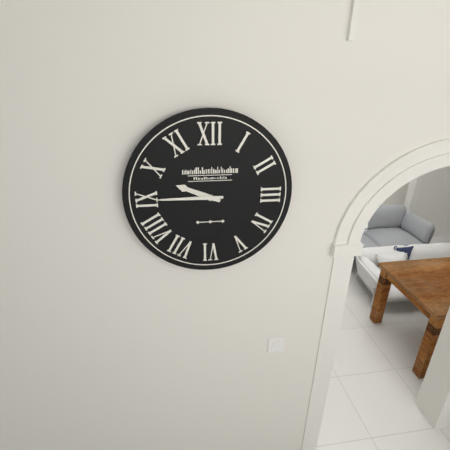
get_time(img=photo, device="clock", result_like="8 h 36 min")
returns 9 h 45 min
